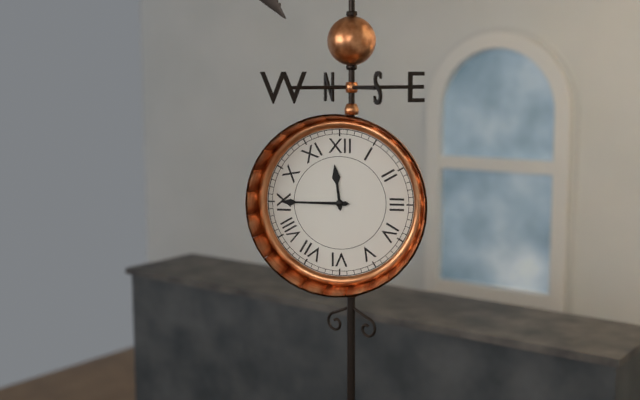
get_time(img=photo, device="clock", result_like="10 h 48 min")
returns 11 h 45 min
